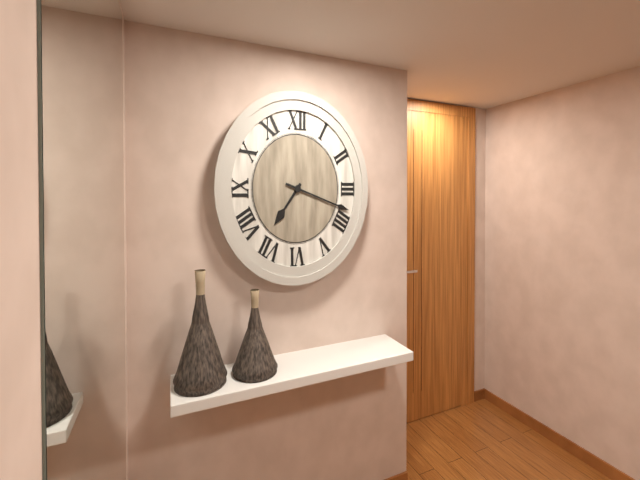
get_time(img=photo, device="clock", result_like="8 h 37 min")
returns 7 h 18 min
